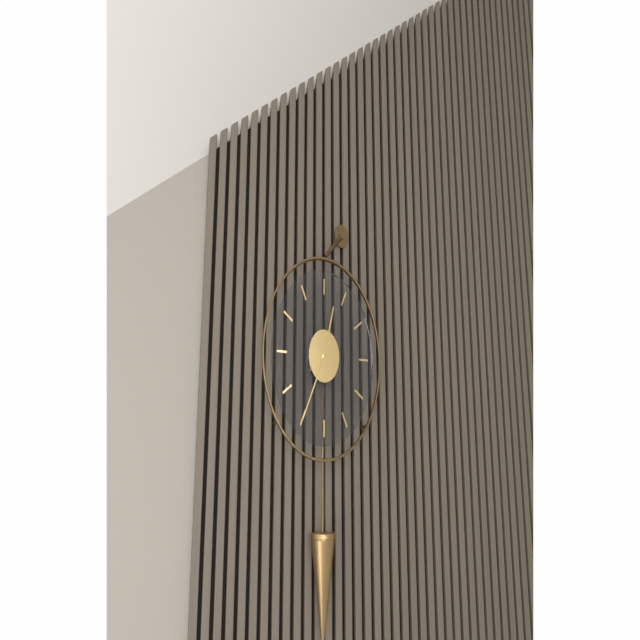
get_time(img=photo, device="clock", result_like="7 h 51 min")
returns 12 h 35 min
